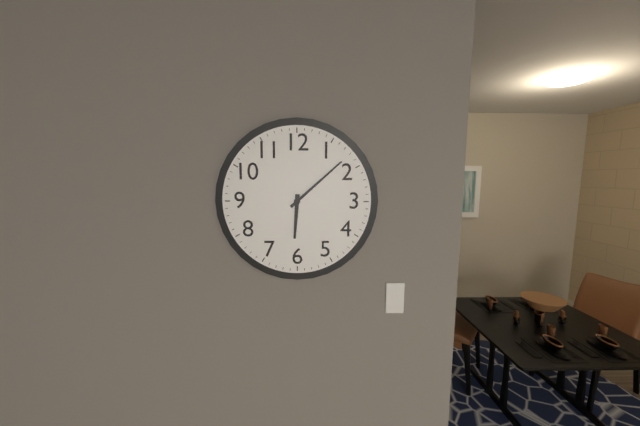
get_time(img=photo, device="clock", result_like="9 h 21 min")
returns 6 h 08 min
